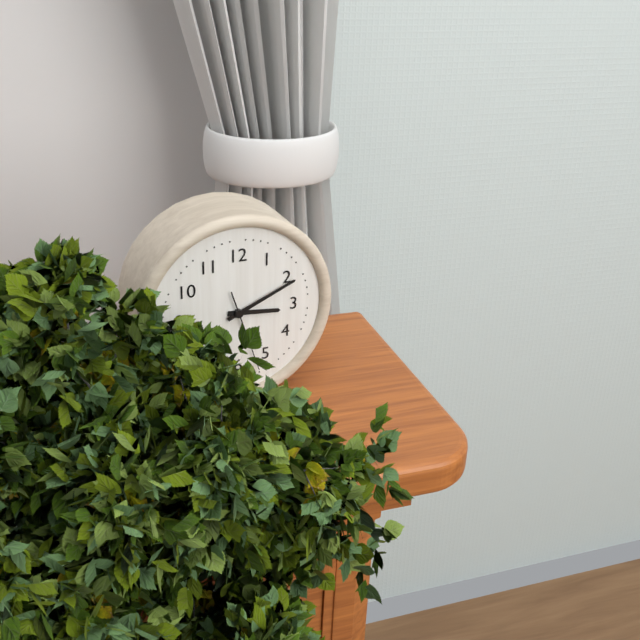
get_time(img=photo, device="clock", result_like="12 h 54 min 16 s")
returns 3 h 11 min 27 s
